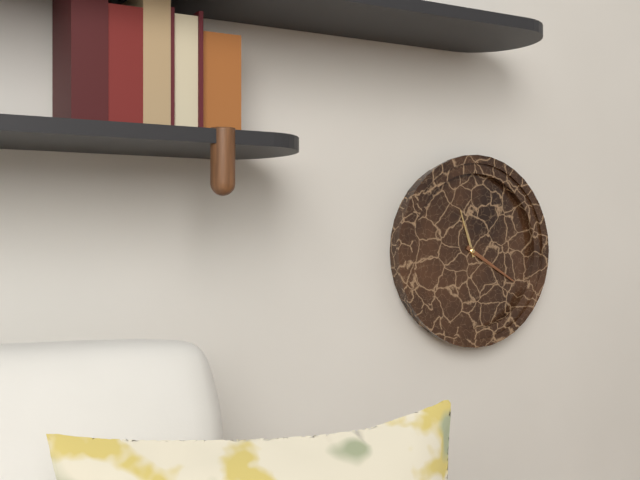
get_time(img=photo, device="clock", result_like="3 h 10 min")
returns 11 h 20 min
